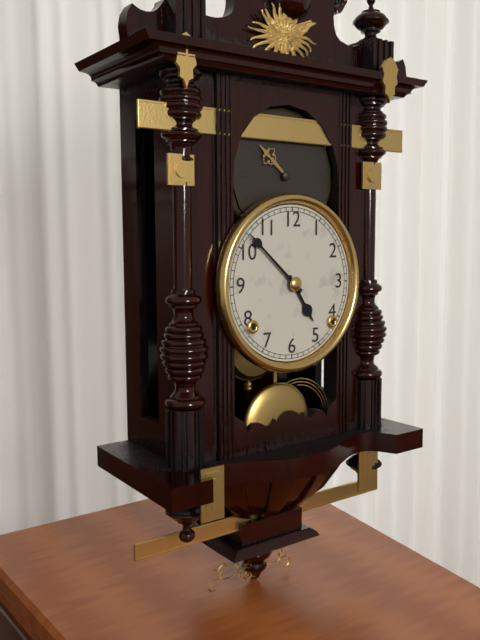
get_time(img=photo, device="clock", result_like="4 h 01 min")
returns 4 h 52 min
